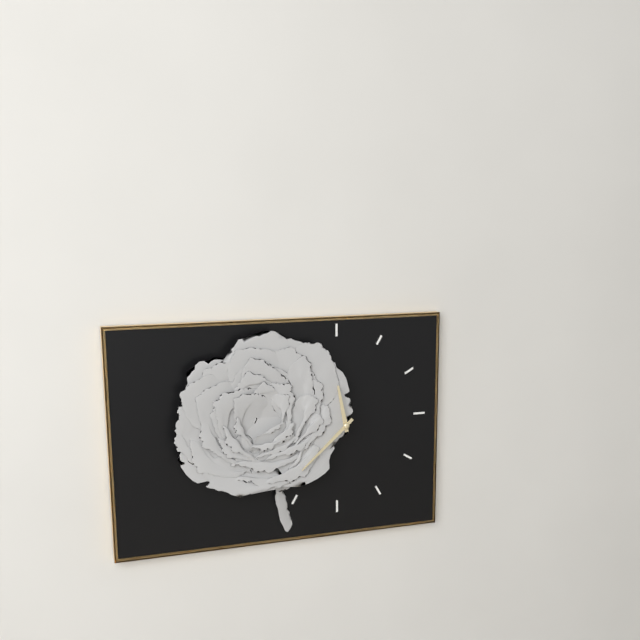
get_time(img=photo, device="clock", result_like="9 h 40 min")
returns 11 h 38 min
